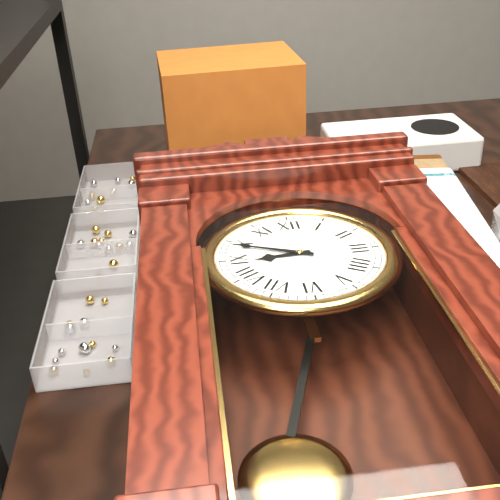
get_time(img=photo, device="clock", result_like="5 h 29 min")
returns 8 h 49 min
